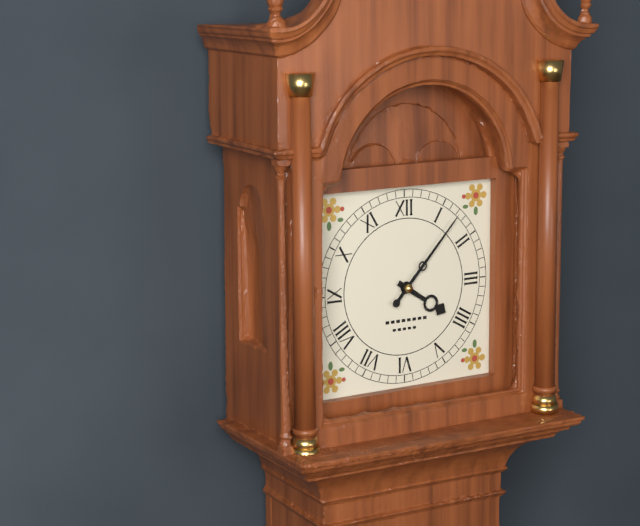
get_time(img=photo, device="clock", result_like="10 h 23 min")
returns 4 h 07 min
